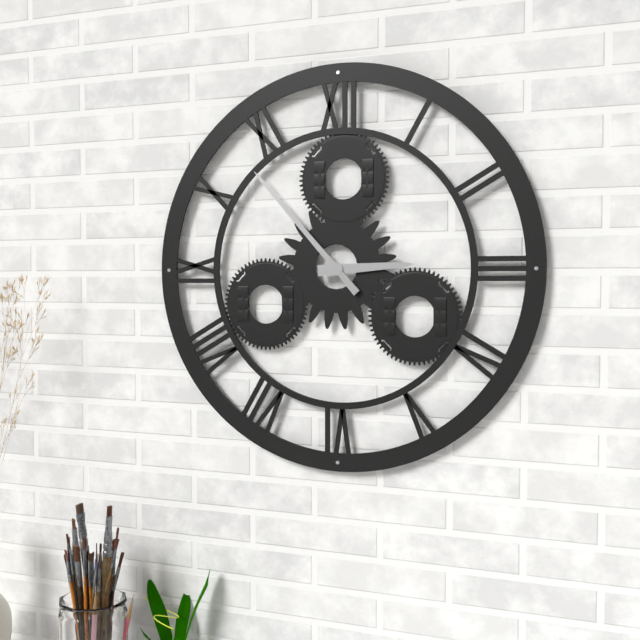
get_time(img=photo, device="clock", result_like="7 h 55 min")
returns 2 h 53 min
